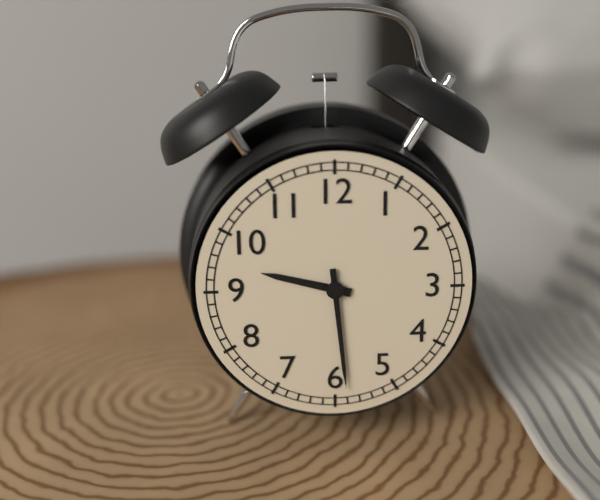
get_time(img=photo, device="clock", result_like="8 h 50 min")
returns 9 h 29 min
